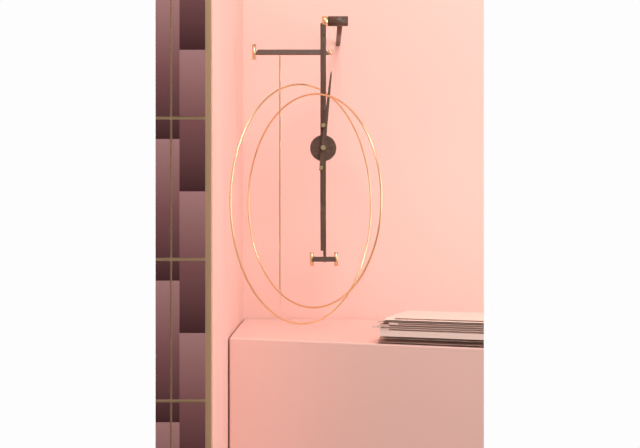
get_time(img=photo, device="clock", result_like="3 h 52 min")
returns 6 h 01 min
